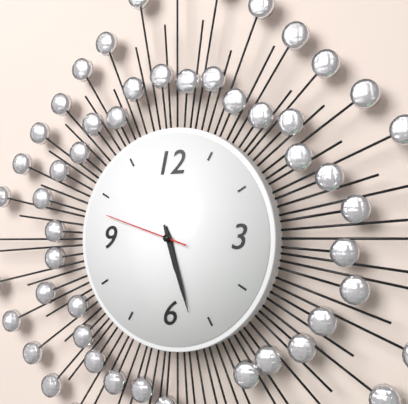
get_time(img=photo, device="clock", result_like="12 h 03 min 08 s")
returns 5 h 27 min 48 s
